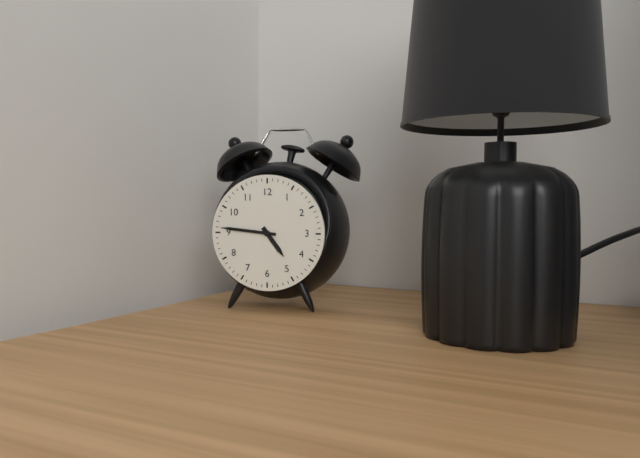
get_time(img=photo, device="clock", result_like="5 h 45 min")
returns 4 h 46 min
